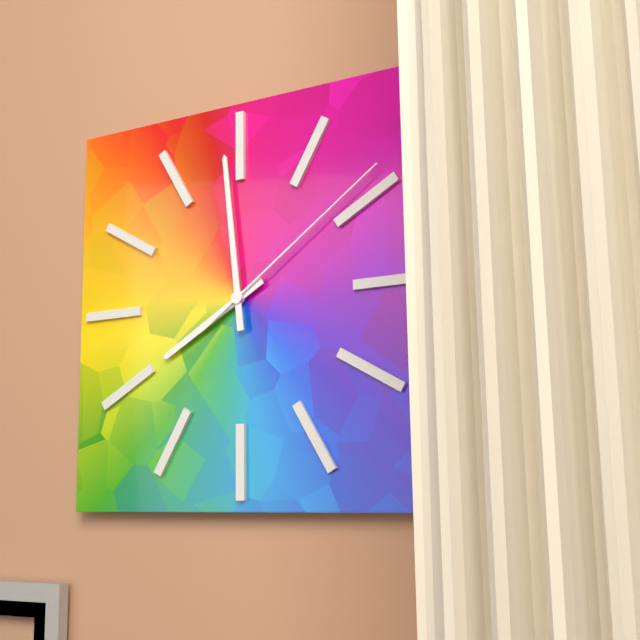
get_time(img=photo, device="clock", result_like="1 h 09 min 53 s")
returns 7 h 59 min 09 s
